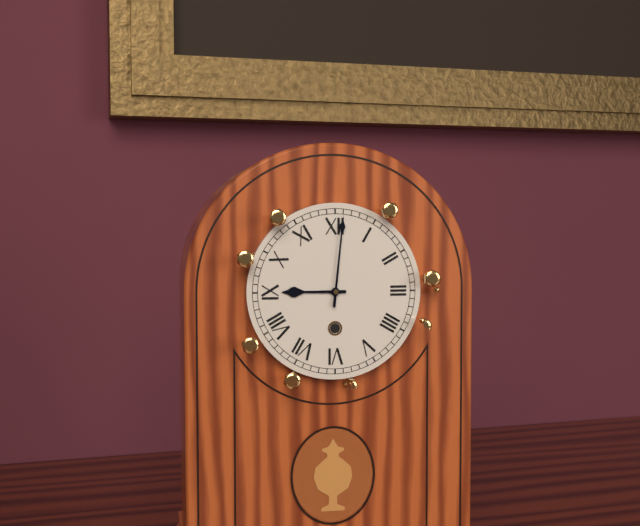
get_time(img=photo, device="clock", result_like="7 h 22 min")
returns 9 h 01 min
